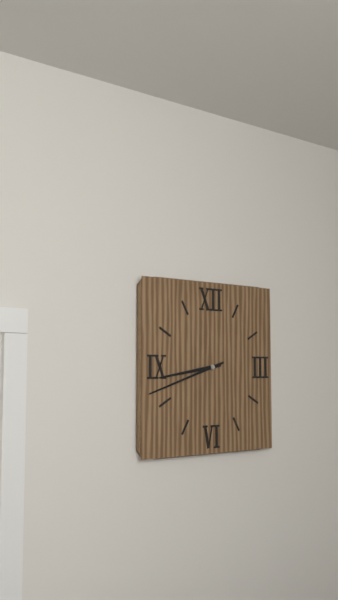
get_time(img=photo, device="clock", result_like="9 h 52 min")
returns 8 h 42 min
